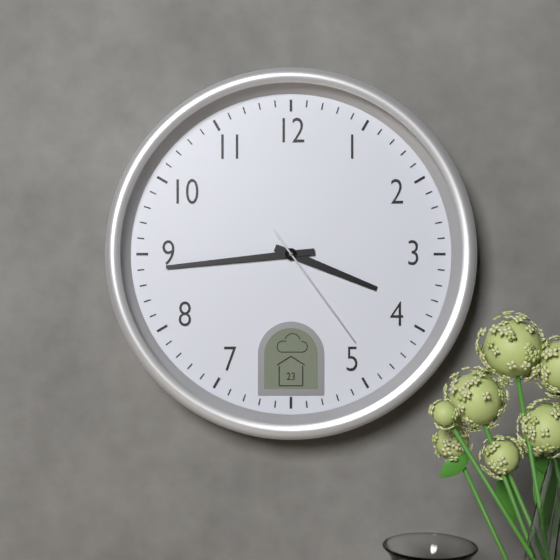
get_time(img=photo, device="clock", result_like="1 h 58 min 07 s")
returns 3 h 44 min 24 s
